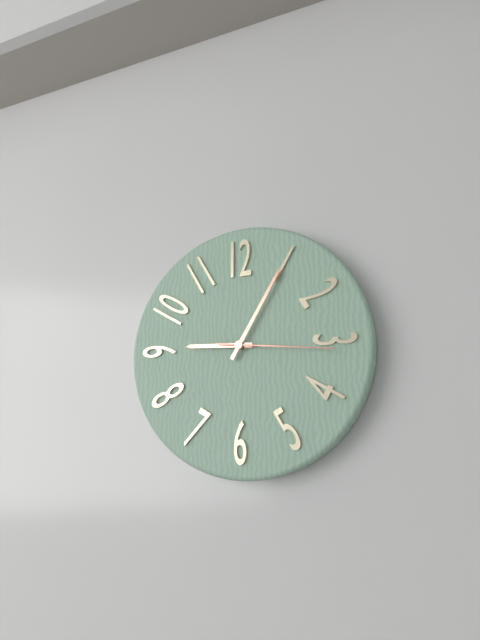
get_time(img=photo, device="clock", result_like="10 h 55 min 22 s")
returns 9 h 05 min 16 s
